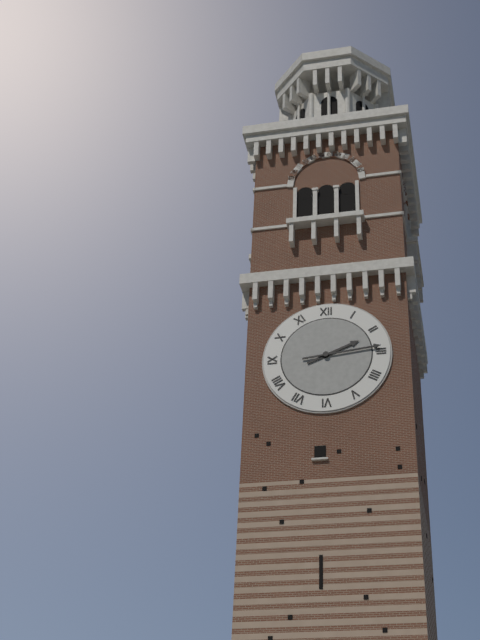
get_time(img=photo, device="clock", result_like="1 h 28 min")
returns 2 h 14 min
